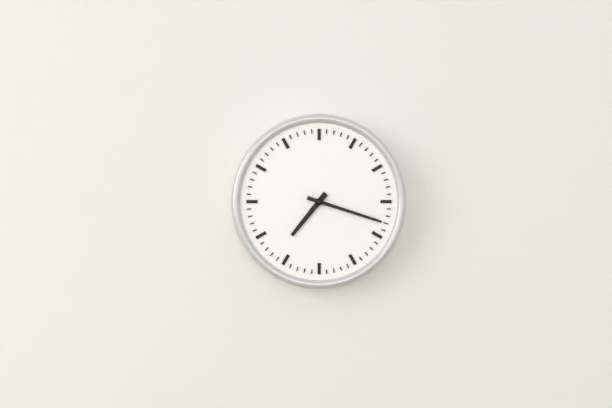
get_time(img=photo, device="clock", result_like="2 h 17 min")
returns 7 h 18 min
